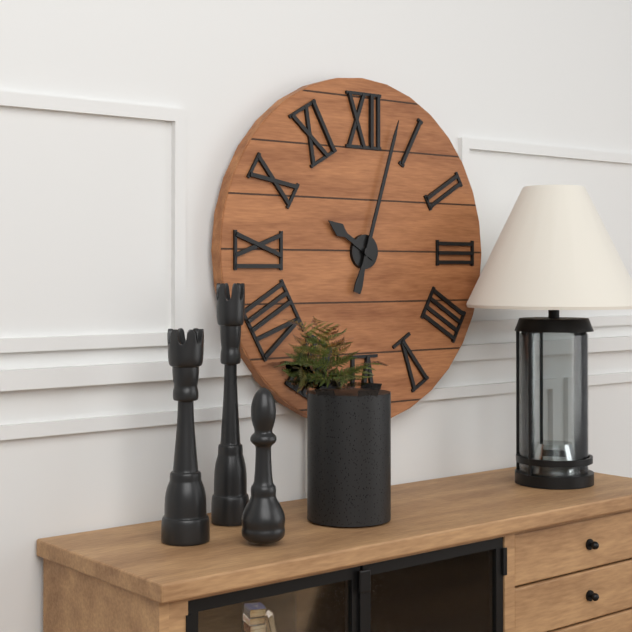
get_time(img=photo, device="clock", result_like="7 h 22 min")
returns 10 h 03 min
